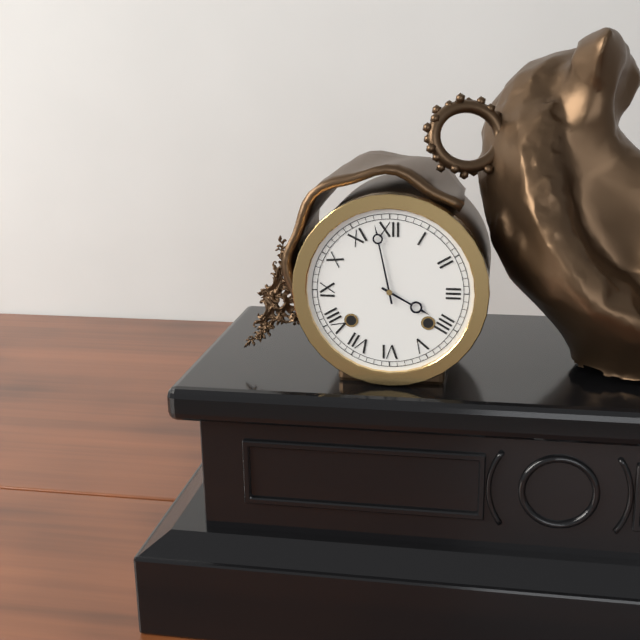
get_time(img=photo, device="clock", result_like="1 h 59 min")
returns 3 h 58 min
